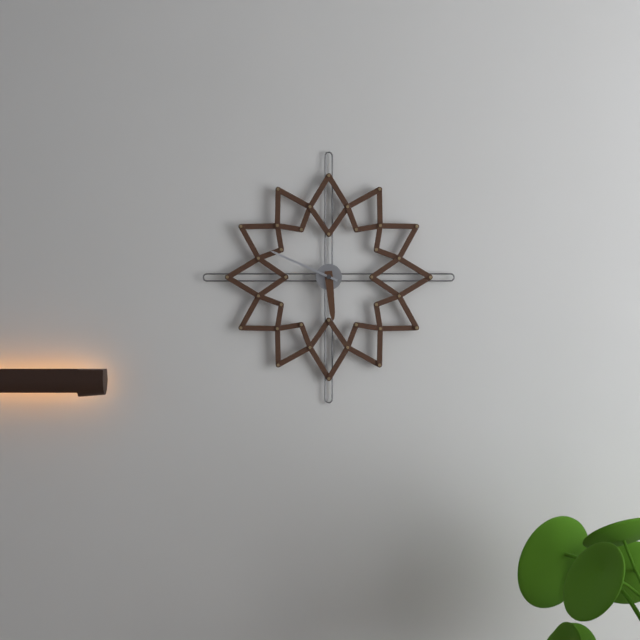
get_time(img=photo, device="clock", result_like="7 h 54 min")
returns 5 h 49 min
